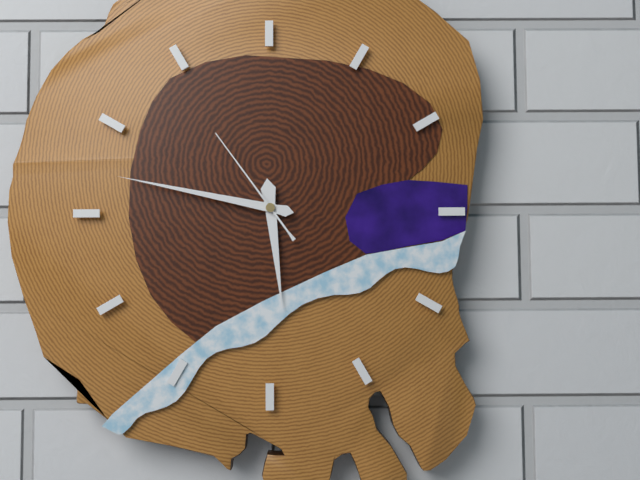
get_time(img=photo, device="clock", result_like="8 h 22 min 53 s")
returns 5 h 47 min 54 s
